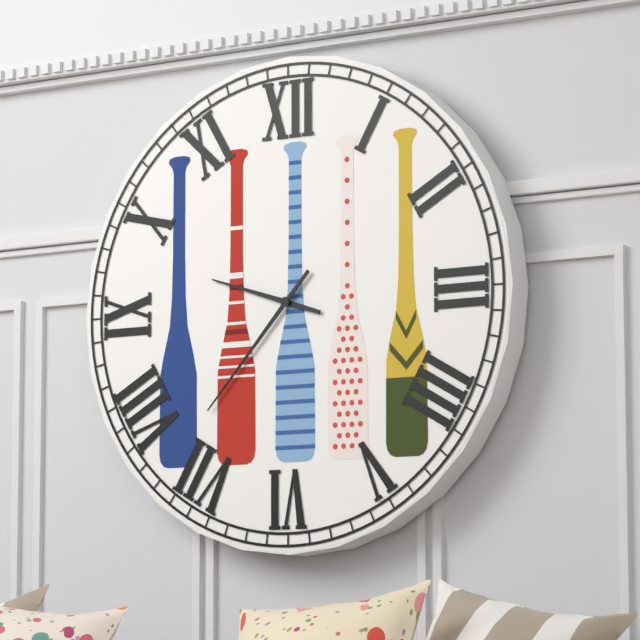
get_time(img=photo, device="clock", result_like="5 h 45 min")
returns 9 h 37 min
